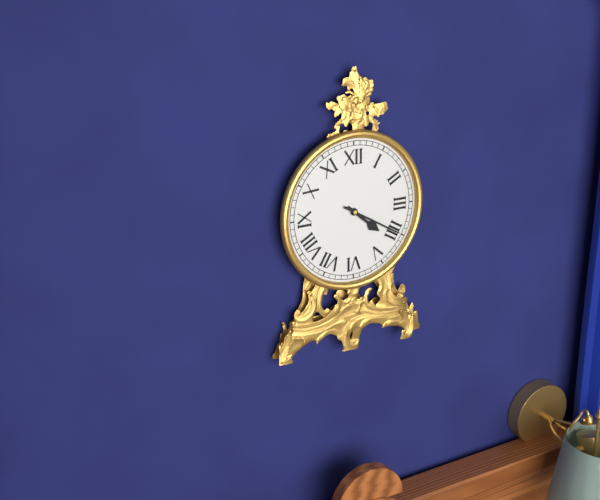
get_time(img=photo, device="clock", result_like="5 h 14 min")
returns 4 h 20 min
